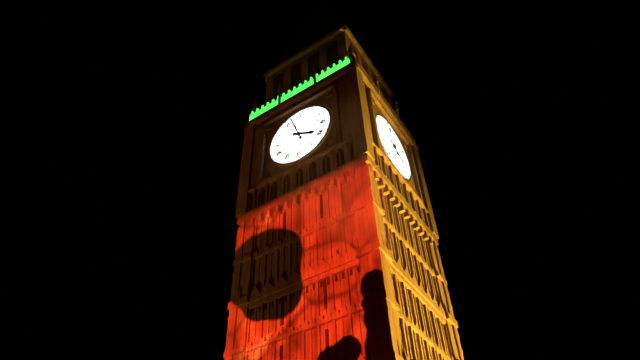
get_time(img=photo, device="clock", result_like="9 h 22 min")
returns 3 h 57 min
